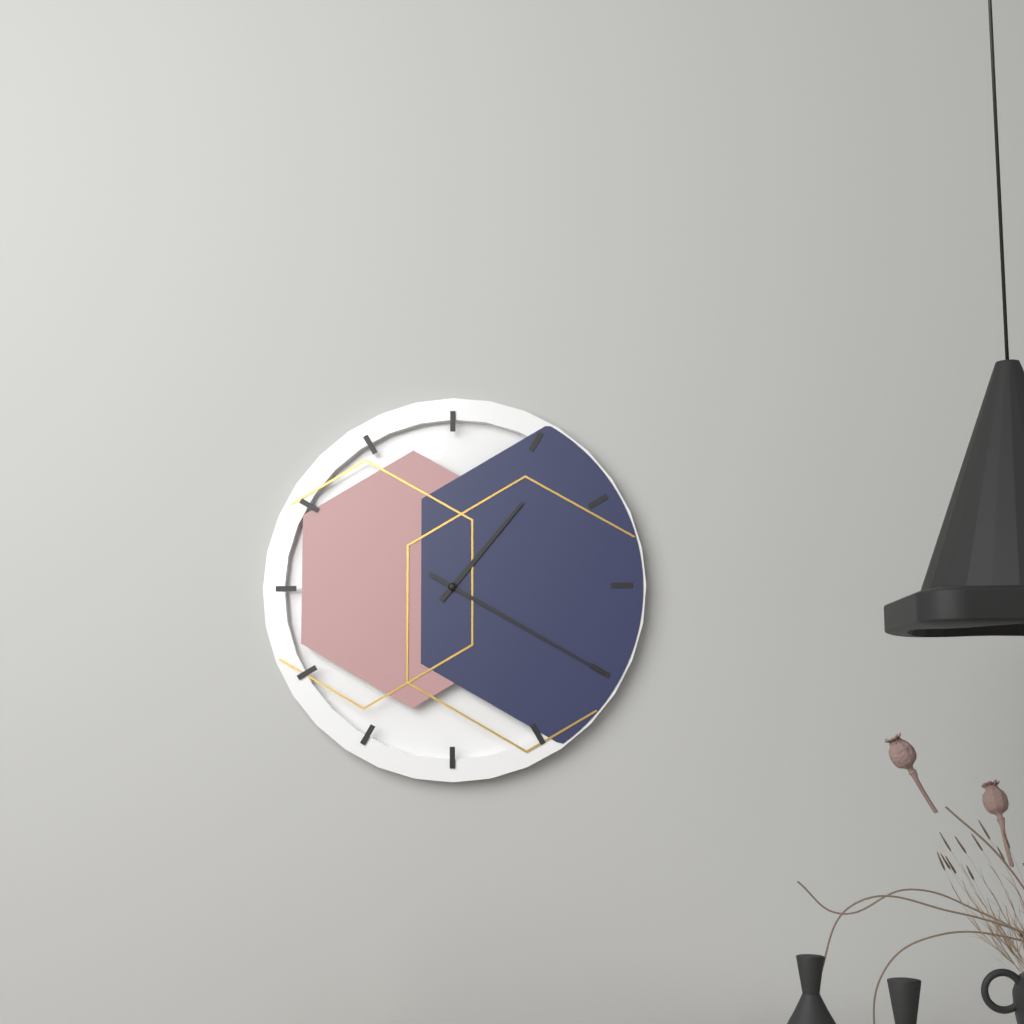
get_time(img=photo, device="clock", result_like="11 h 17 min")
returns 1 h 20 min
